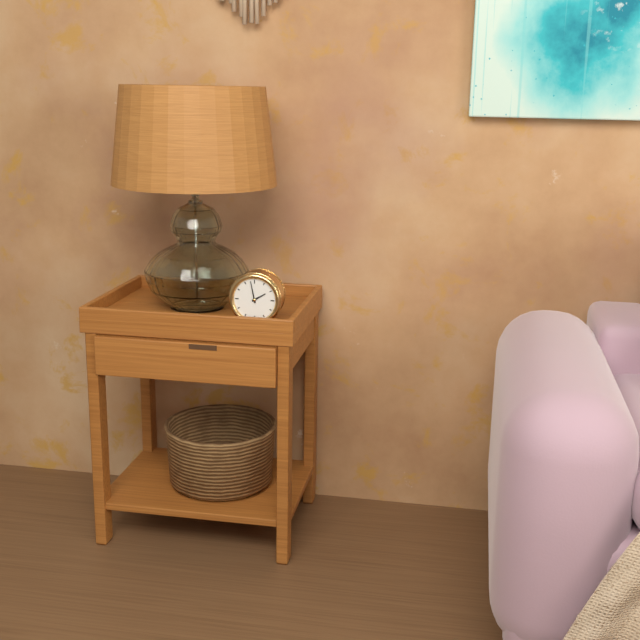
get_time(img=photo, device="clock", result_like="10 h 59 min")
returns 1 h 58 min
